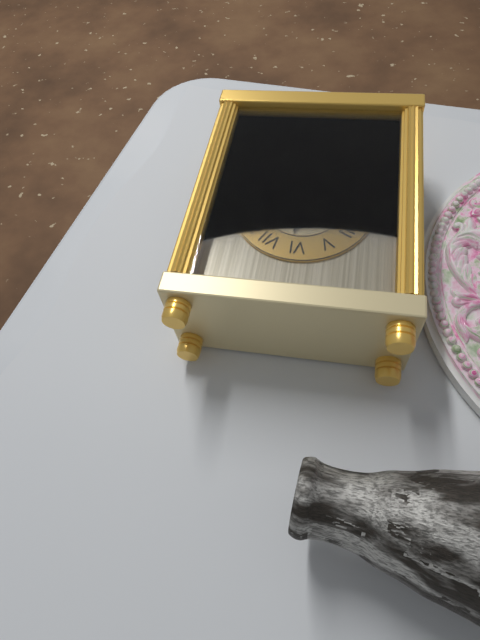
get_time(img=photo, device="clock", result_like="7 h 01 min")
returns 6 h 17 min
